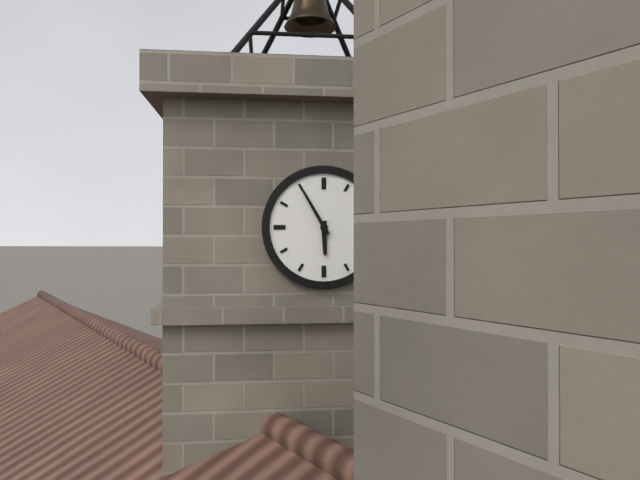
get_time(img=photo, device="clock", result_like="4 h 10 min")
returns 5 h 55 min
